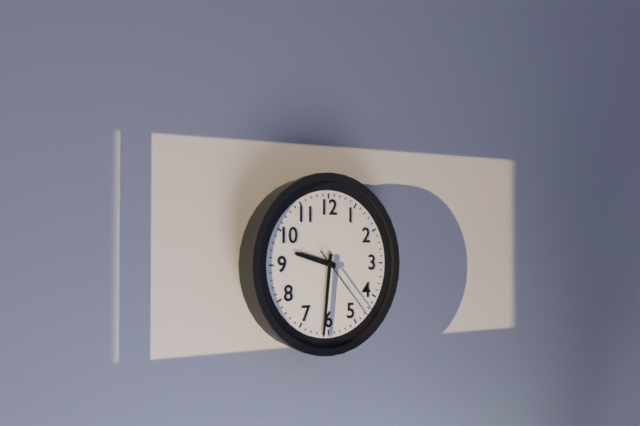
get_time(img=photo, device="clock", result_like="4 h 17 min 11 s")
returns 9 h 31 min 23 s
